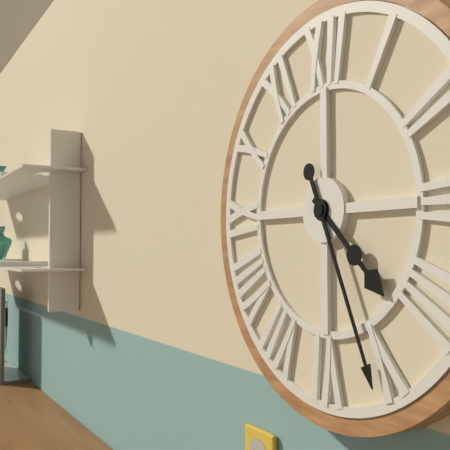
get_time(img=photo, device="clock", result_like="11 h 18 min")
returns 4 h 26 min
